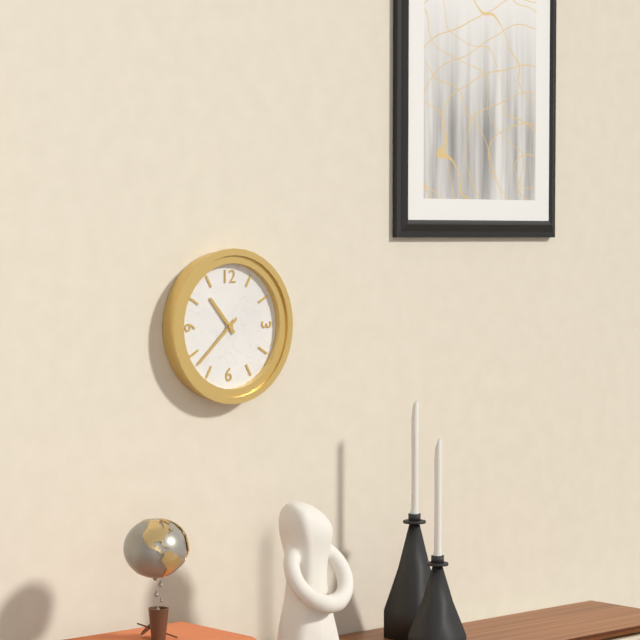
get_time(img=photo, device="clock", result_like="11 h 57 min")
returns 10 h 38 min
